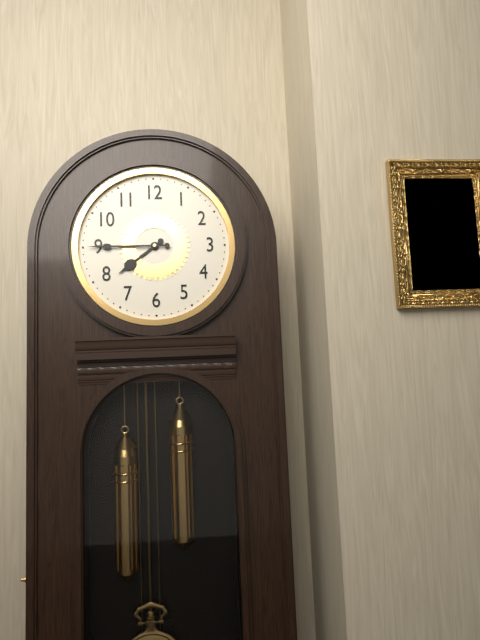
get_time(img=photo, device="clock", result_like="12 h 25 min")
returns 7 h 45 min
